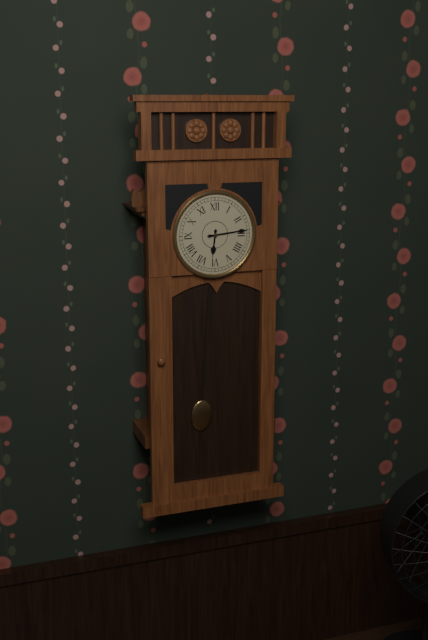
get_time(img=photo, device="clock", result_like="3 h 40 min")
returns 6 h 14 min
